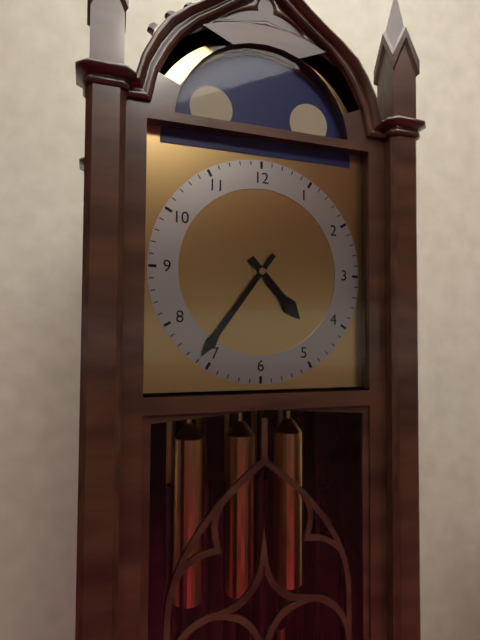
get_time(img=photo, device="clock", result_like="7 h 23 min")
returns 4 h 36 min
